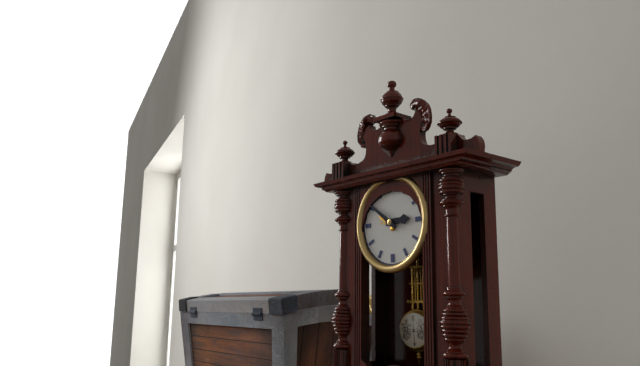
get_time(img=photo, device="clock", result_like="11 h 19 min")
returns 2 h 51 min
